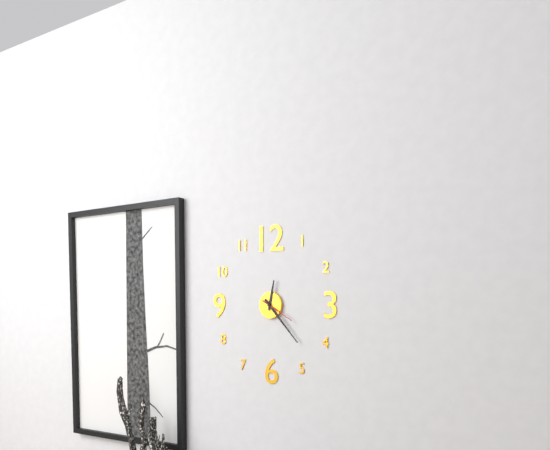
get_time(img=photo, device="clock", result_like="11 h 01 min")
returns 12 h 23 min
